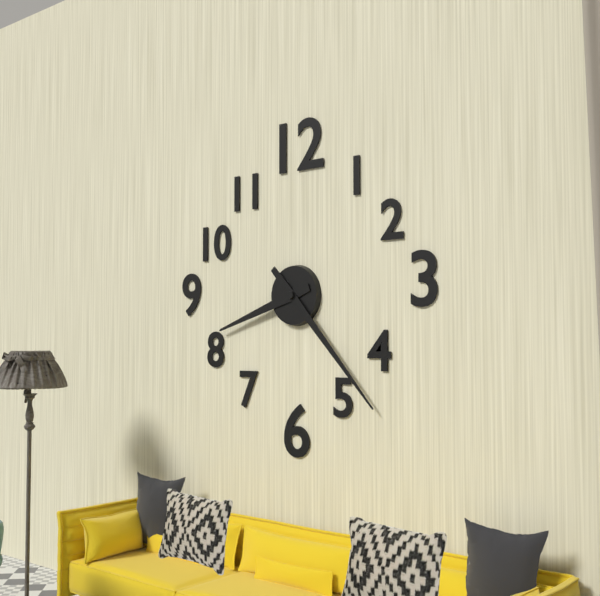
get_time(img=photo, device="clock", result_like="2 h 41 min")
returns 8 h 23 min
